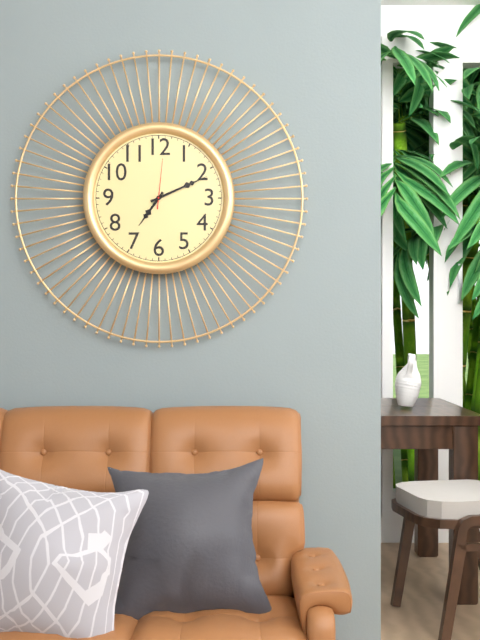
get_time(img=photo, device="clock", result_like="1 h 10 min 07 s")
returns 7 h 11 min 01 s
